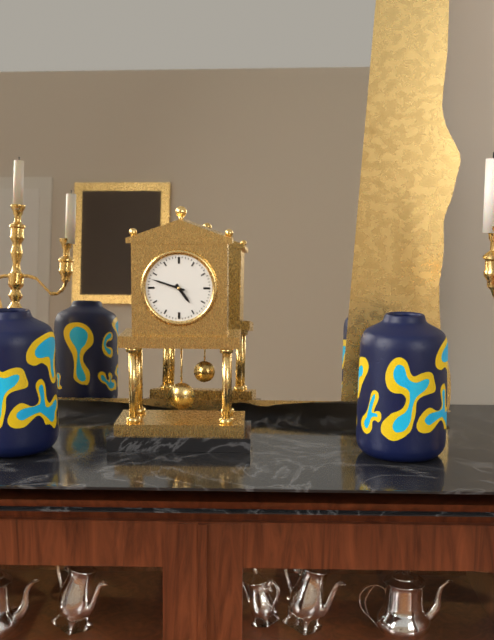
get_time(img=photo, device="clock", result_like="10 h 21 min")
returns 4 h 48 min
